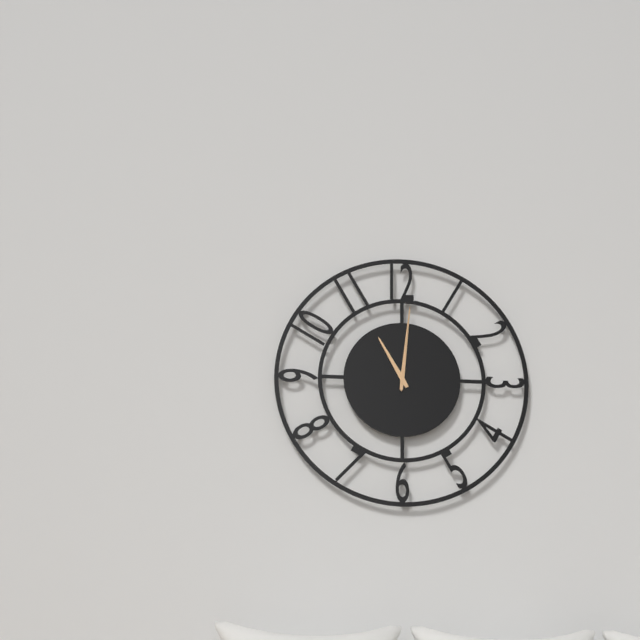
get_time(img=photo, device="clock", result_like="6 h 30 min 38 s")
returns 11 h 01 min 01 s
